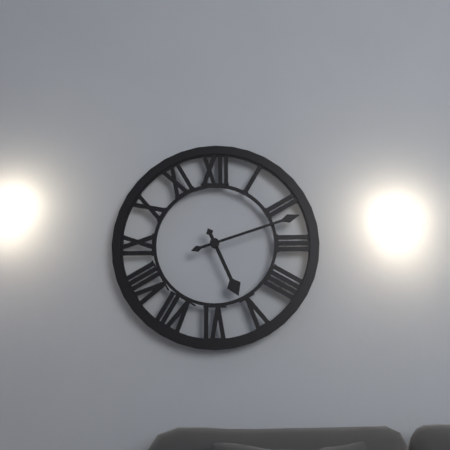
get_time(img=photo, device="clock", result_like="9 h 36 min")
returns 5 h 12 min
